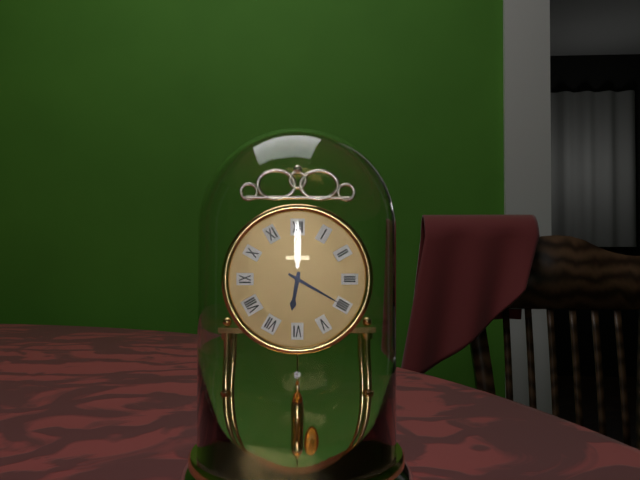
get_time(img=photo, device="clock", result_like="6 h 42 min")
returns 6 h 20 min
